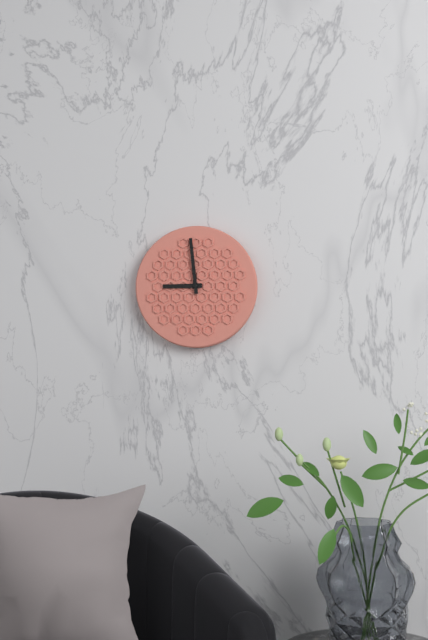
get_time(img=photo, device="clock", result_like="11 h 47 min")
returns 8 h 59 min
